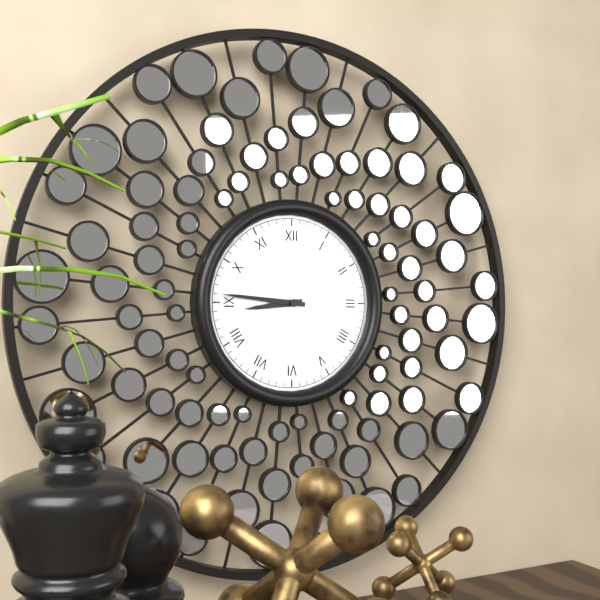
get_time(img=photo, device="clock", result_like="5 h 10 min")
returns 8 h 46 min
